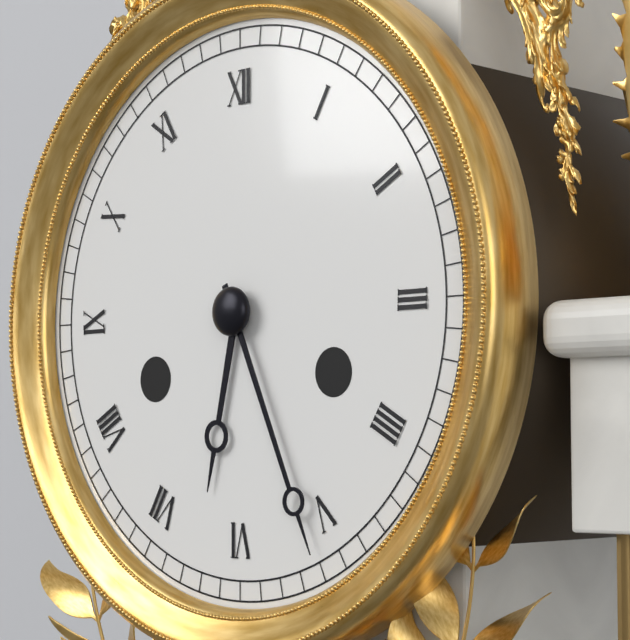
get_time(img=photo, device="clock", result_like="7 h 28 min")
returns 6 h 26 min
